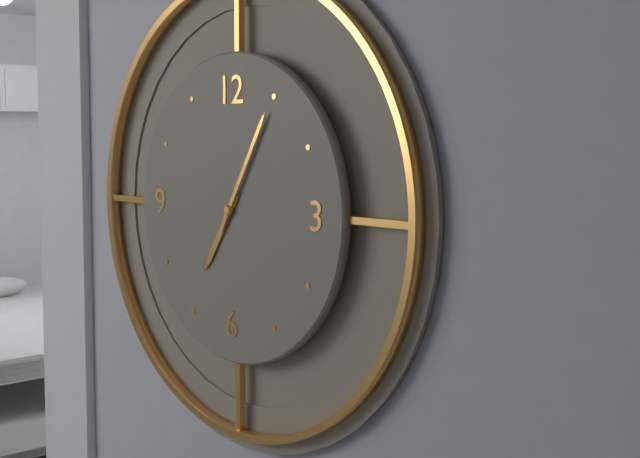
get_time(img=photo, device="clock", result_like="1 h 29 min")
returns 7 h 05 min
